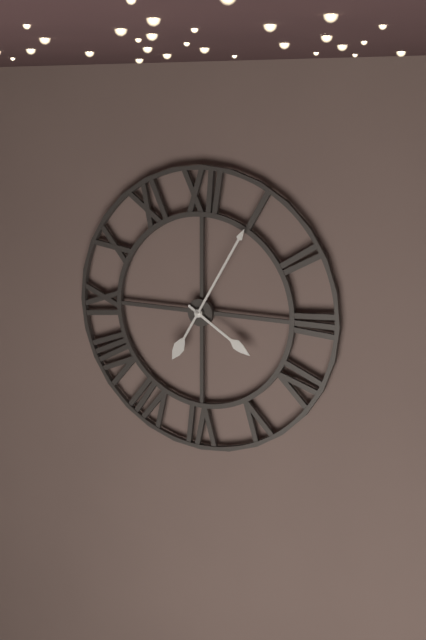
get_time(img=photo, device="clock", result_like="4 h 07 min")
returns 4 h 05 min
